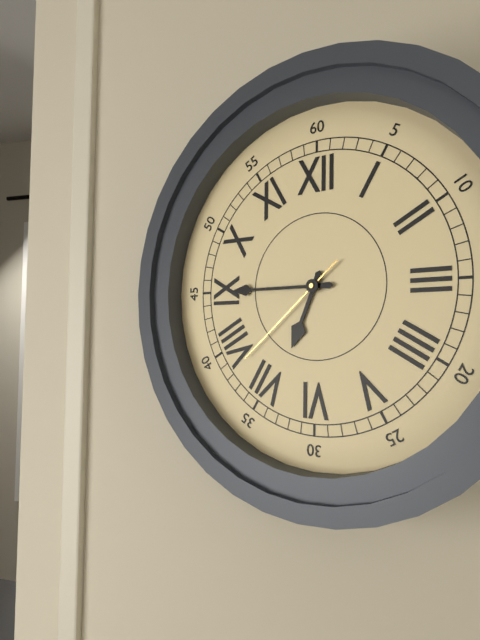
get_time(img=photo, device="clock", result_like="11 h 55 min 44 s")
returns 6 h 45 min 38 s
